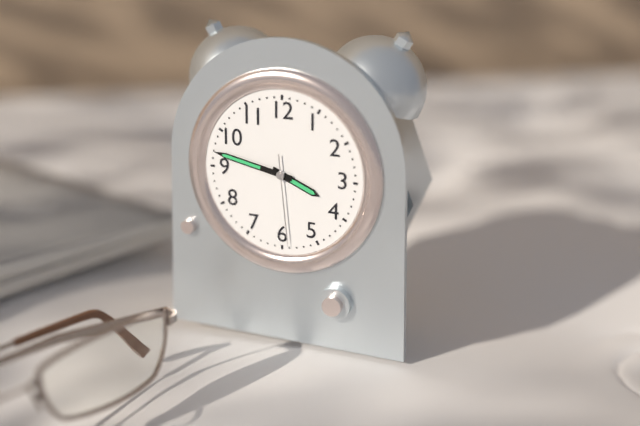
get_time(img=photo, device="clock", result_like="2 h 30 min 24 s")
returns 3 h 47 min 29 s
